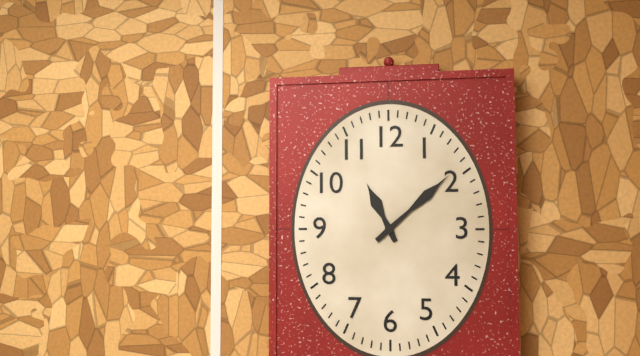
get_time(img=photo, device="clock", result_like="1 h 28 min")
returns 11 h 08 min
